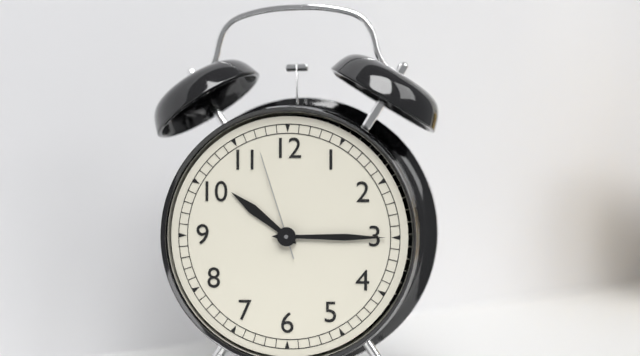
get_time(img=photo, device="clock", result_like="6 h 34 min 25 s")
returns 10 h 15 min 57 s
